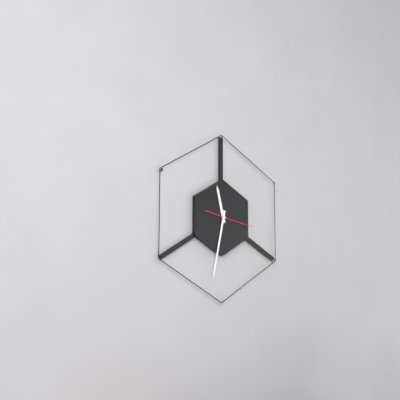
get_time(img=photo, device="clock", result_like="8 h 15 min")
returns 11 h 32 min
